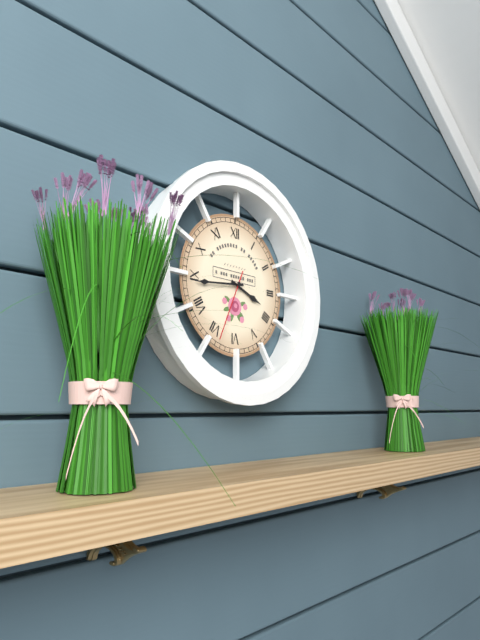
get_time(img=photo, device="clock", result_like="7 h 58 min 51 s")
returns 3 h 44 min 34 s
